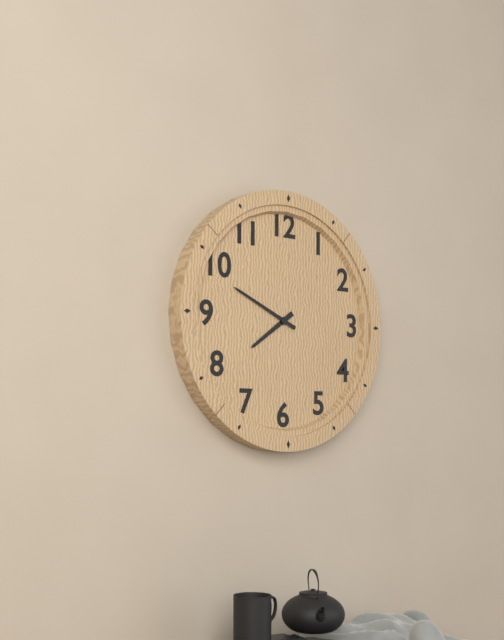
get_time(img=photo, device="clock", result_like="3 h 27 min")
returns 7 h 49 min
